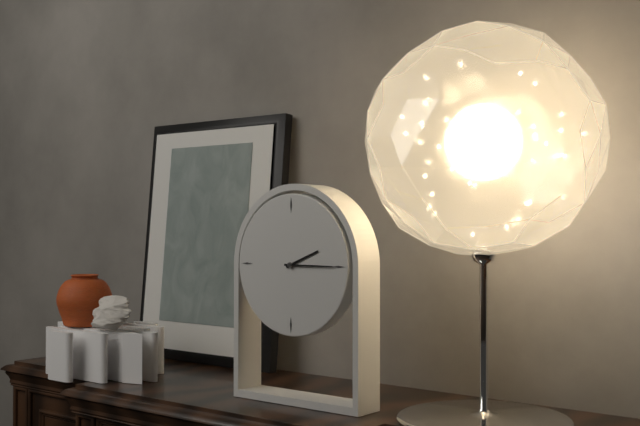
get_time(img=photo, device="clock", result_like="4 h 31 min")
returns 2 h 15 min
